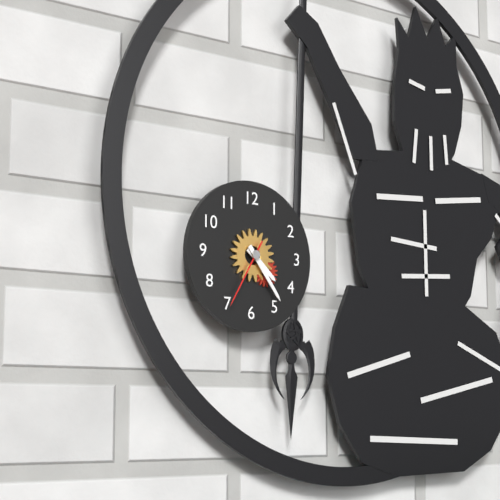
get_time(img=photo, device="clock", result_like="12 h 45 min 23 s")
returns 4 h 24 min 35 s
